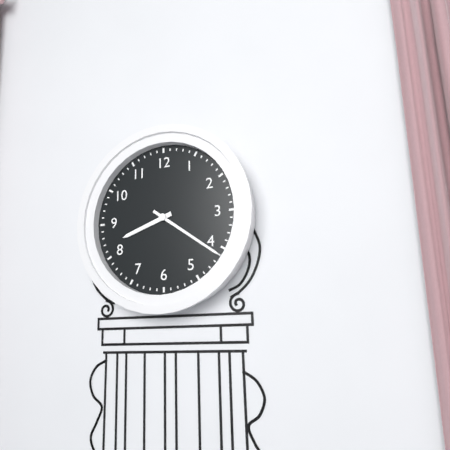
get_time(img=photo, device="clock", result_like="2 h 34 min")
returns 8 h 21 min
